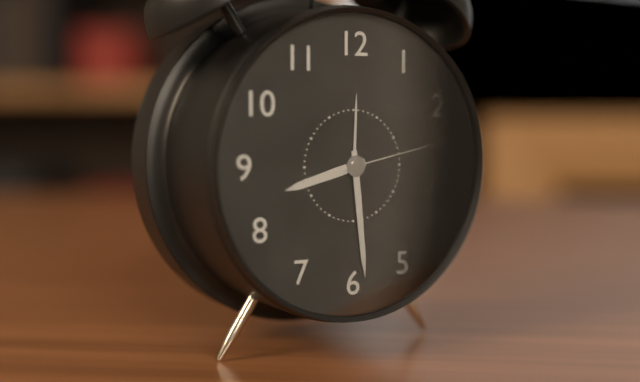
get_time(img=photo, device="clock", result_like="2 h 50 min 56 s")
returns 8 h 29 min 13 s
